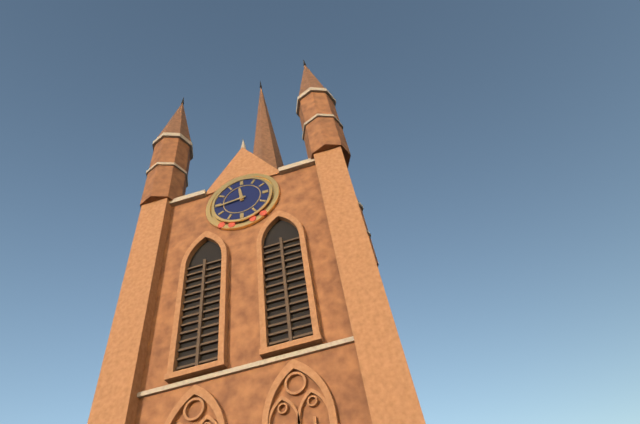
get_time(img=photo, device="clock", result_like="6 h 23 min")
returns 11 h 44 min
